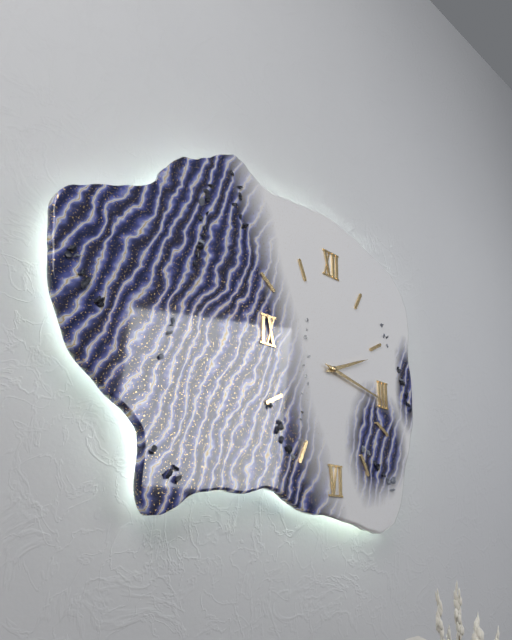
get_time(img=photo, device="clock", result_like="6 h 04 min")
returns 2 h 17 min
